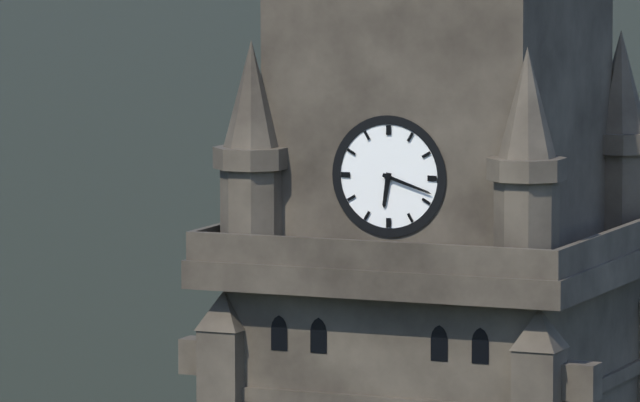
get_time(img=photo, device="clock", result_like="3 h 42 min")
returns 6 h 18 min
